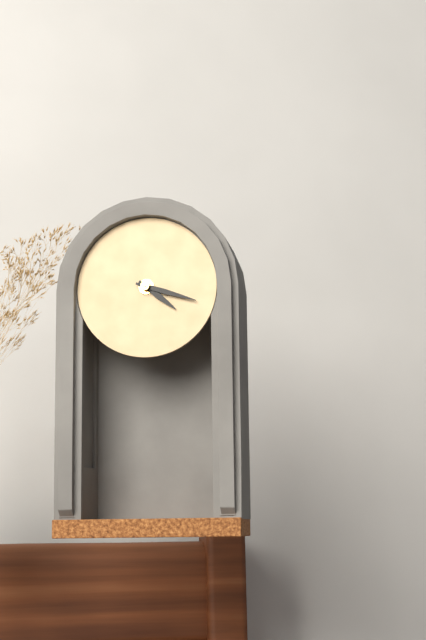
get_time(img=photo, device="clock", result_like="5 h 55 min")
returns 4 h 18 min
